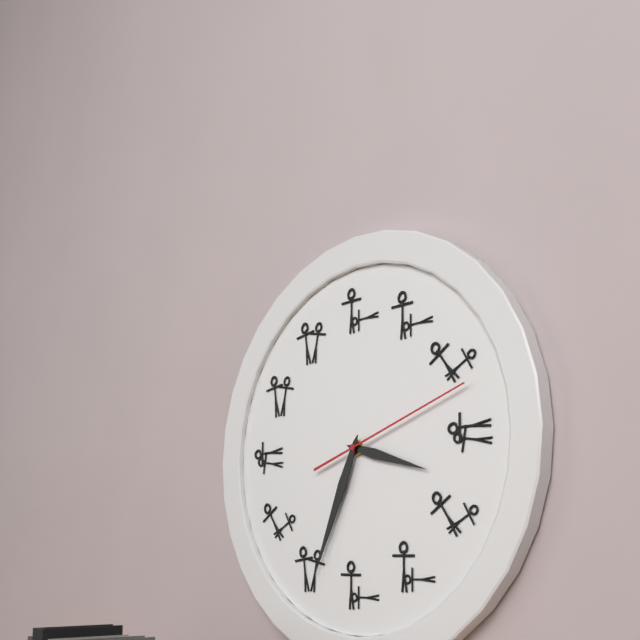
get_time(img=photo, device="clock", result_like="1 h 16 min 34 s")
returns 3 h 34 min 12 s
